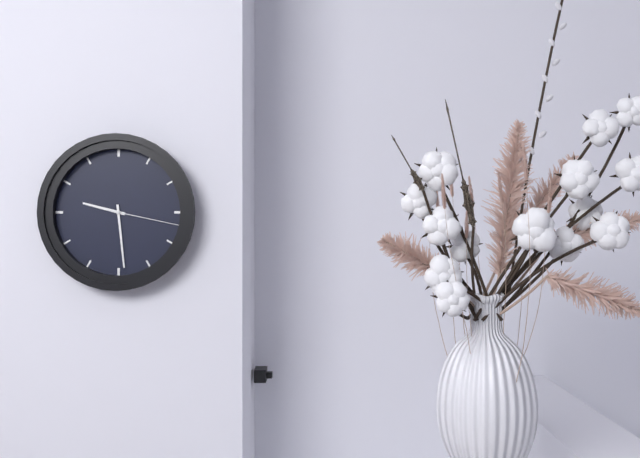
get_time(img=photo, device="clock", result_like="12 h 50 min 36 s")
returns 9 h 29 min 17 s
